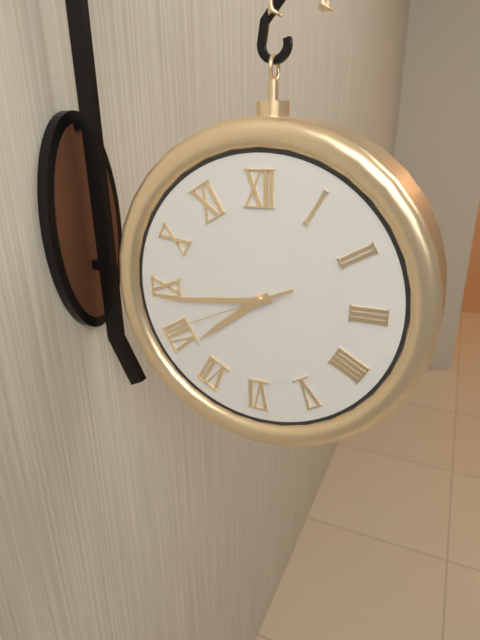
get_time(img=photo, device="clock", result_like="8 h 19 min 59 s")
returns 7 h 44 min 41 s
